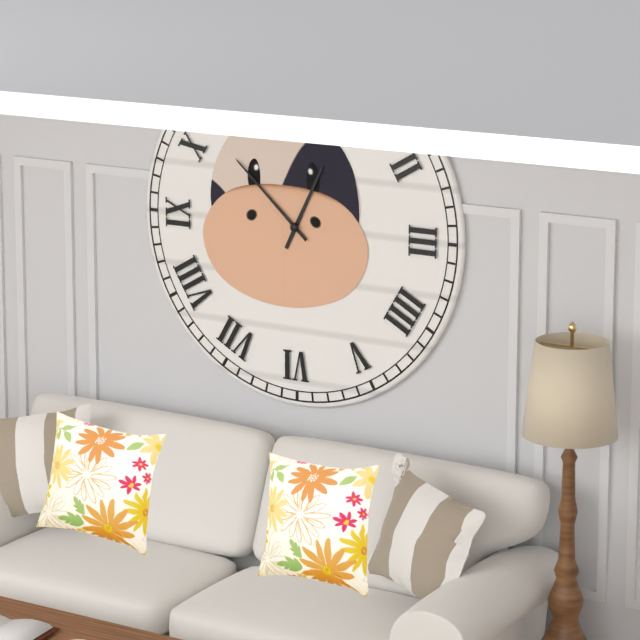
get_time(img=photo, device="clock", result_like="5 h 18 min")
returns 12 h 52 min
